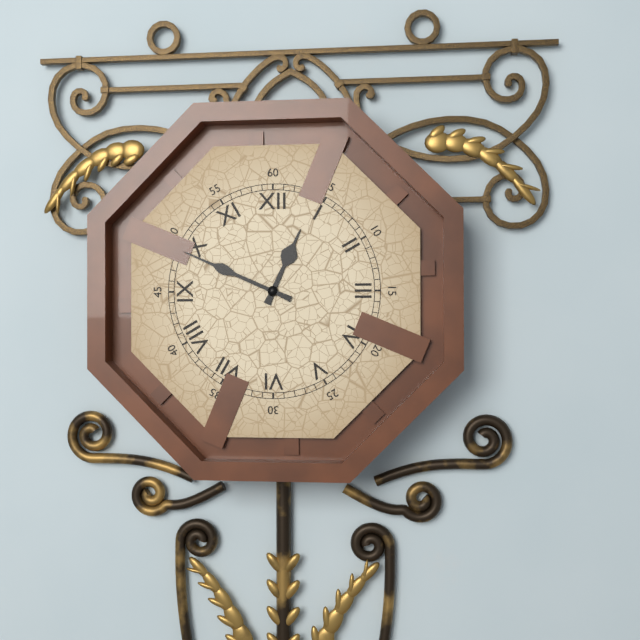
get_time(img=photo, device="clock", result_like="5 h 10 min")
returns 12 h 49 min
